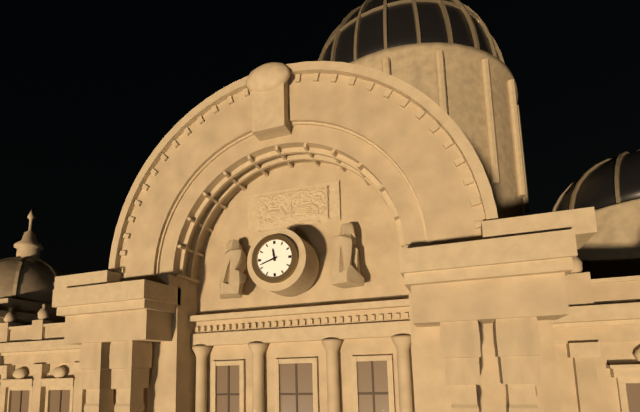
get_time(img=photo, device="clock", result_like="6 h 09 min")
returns 11 h 42 min
